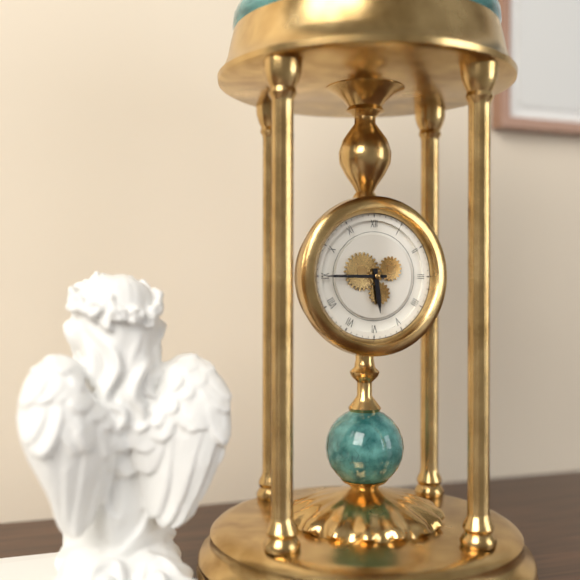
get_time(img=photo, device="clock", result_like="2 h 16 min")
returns 5 h 45 min
